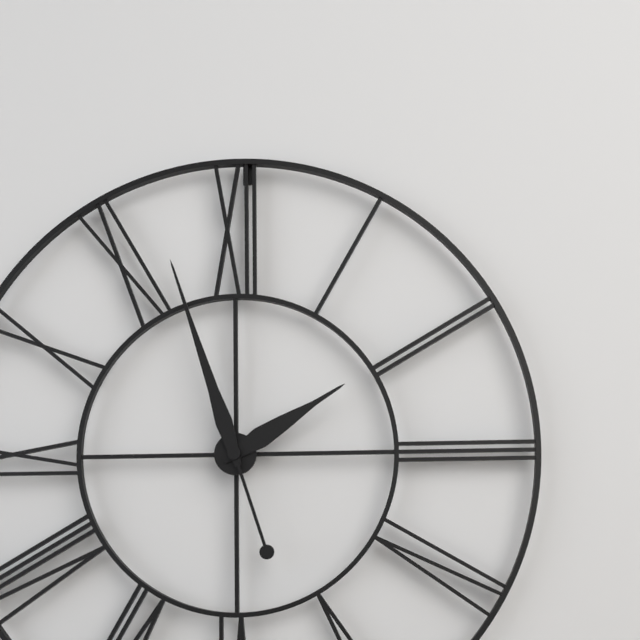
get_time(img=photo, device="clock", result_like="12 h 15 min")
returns 1 h 57 min
